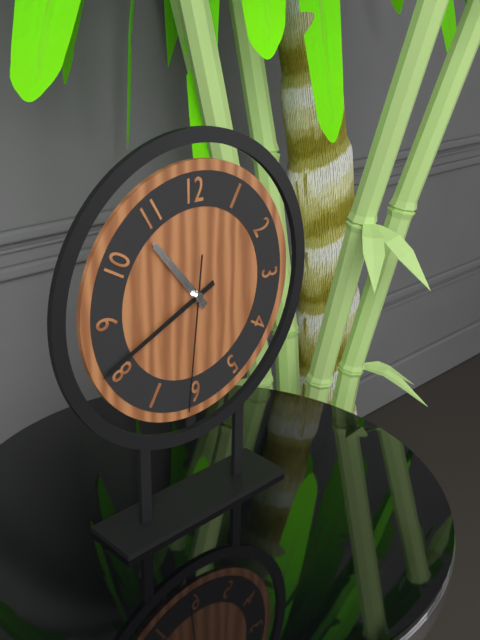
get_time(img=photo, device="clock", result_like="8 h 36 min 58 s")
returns 10 h 41 min 31 s
